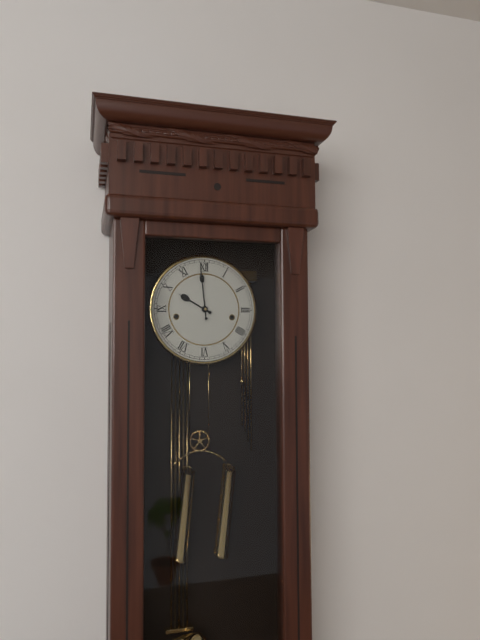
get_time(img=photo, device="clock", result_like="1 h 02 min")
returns 9 h 59 min
